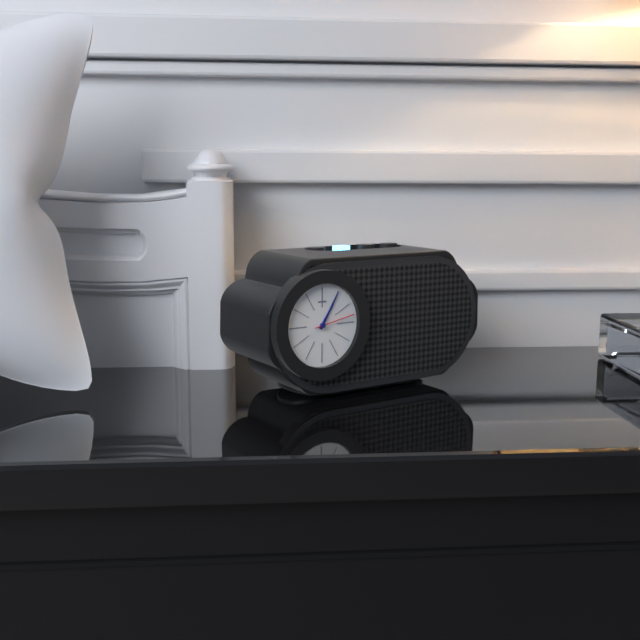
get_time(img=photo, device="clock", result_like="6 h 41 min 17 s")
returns 1 h 05 min 13 s
